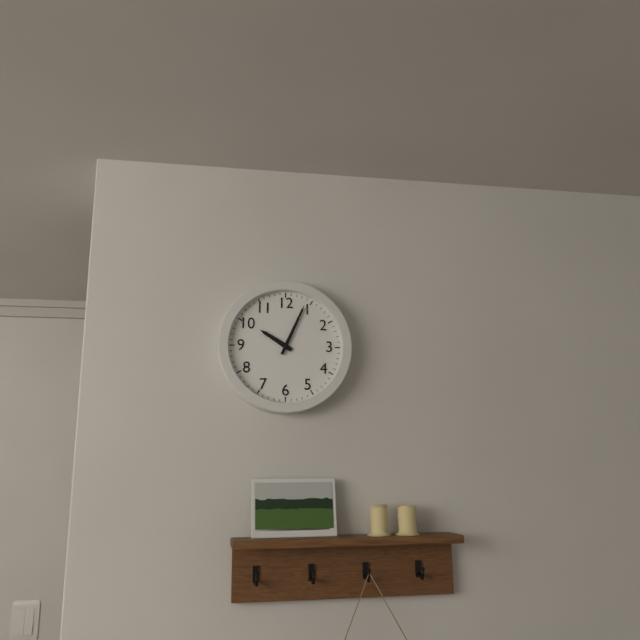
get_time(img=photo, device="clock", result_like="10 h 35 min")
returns 10 h 04 min
